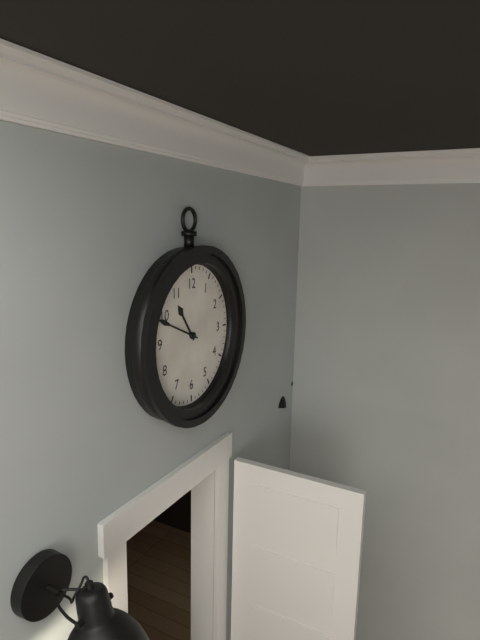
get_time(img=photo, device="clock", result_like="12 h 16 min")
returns 10 h 49 min
